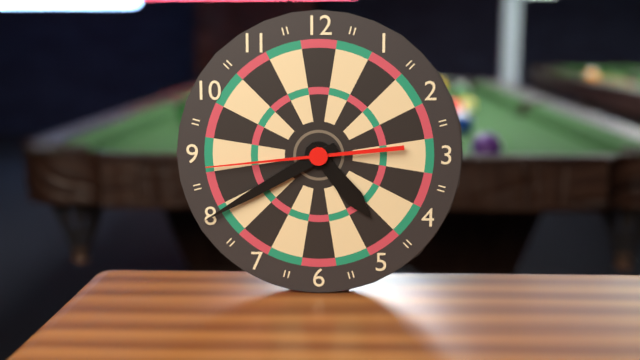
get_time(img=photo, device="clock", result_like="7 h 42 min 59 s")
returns 4 h 40 min 44 s
